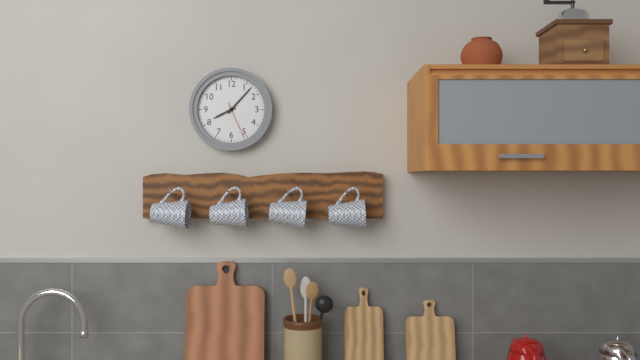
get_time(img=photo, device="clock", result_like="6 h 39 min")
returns 8 h 07 min
